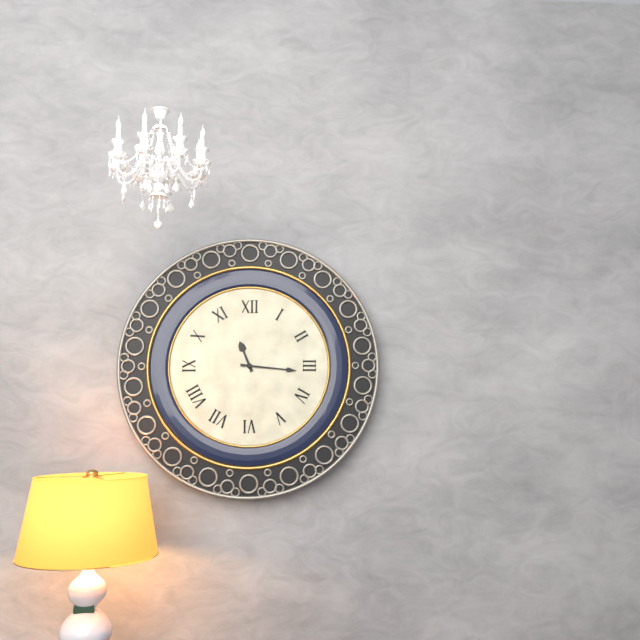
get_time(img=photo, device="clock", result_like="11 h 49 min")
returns 11 h 16 min
